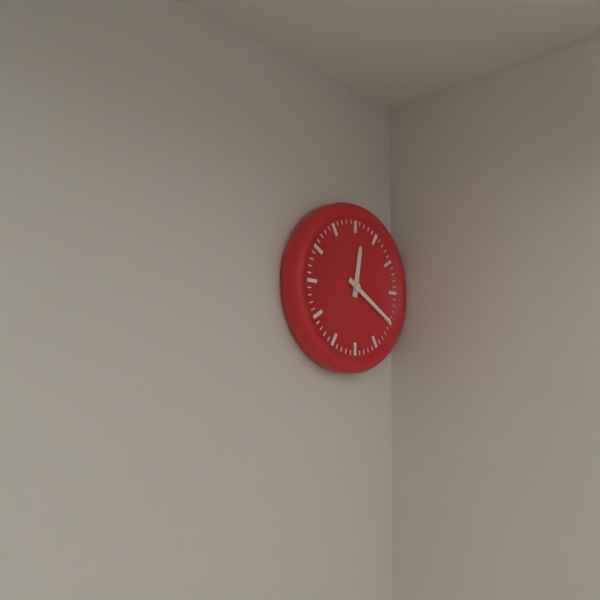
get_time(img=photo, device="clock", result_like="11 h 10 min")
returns 12 h 20 min
